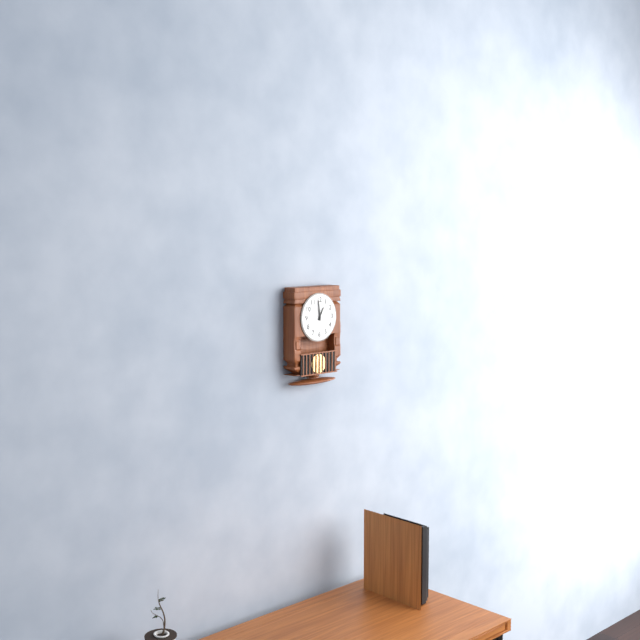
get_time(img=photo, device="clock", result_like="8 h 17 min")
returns 12 h 59 min
